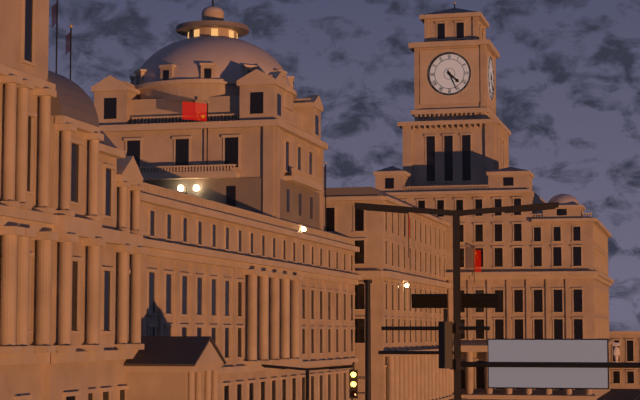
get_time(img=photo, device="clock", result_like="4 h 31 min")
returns 4 h 26 min
